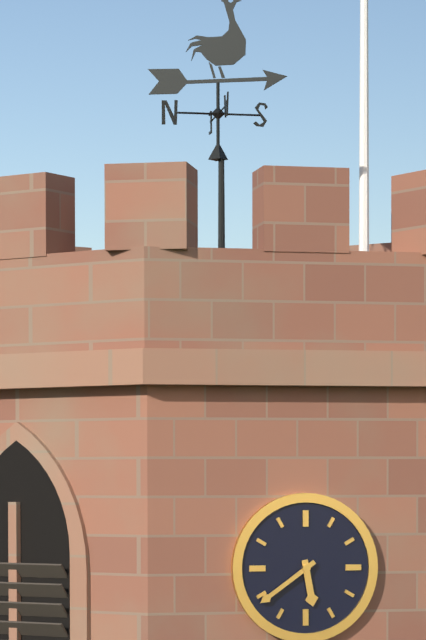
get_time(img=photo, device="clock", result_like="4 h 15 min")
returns 5 h 39 min
